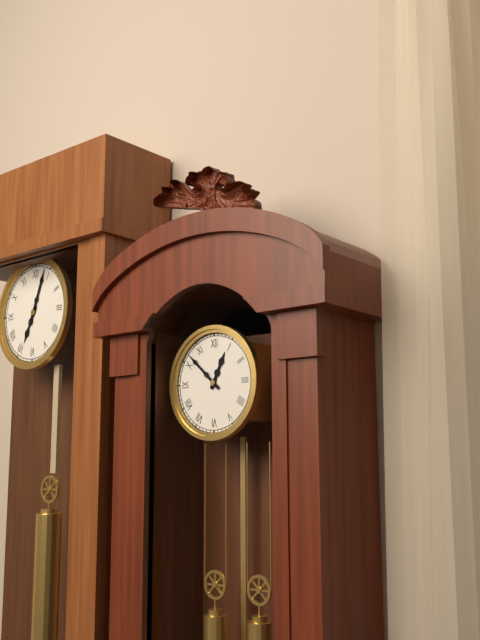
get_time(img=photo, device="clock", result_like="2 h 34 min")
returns 12 h 52 min
